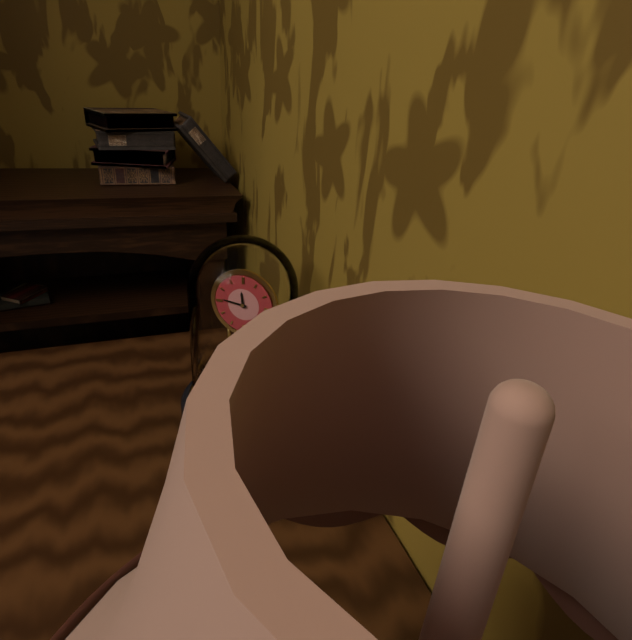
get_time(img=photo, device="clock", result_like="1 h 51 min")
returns 11 h 46 min
